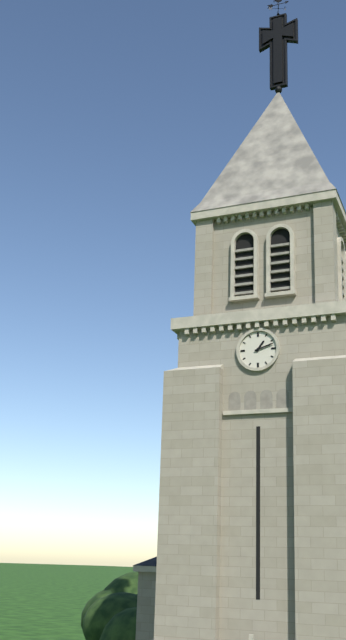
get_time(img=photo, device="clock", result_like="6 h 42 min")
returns 1 h 12 min
